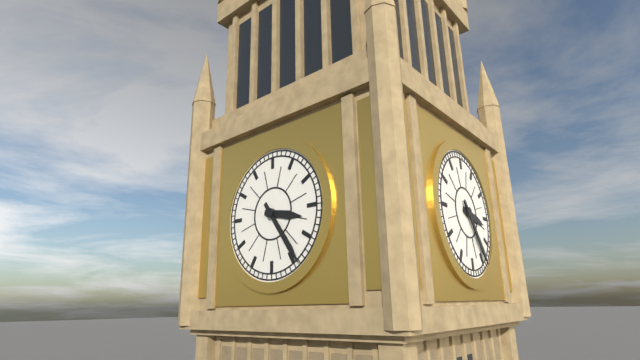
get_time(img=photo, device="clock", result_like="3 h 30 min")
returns 3 h 24 min
